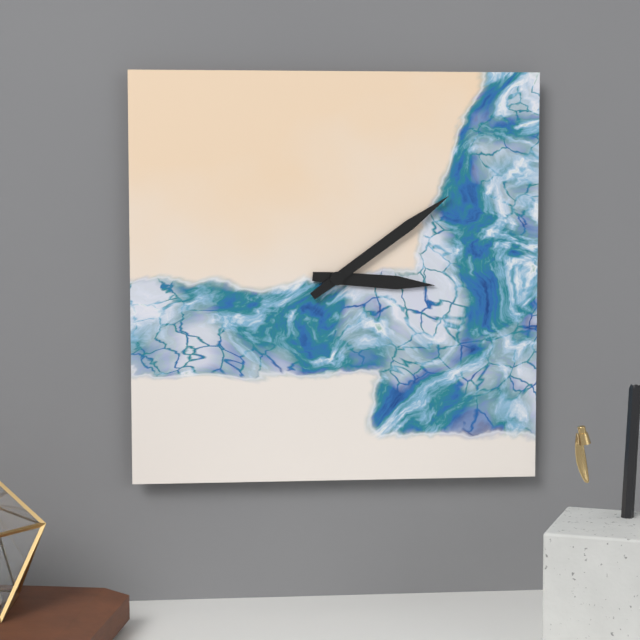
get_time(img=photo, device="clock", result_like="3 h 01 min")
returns 3 h 09 min
